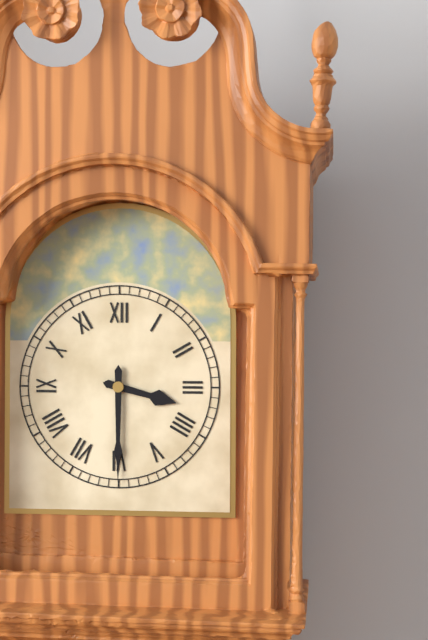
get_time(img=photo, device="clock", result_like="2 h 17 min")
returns 3 h 30 min
